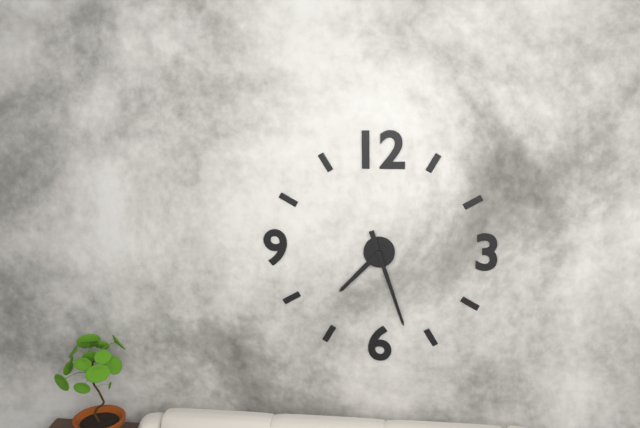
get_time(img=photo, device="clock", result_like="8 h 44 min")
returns 7 h 27 min
